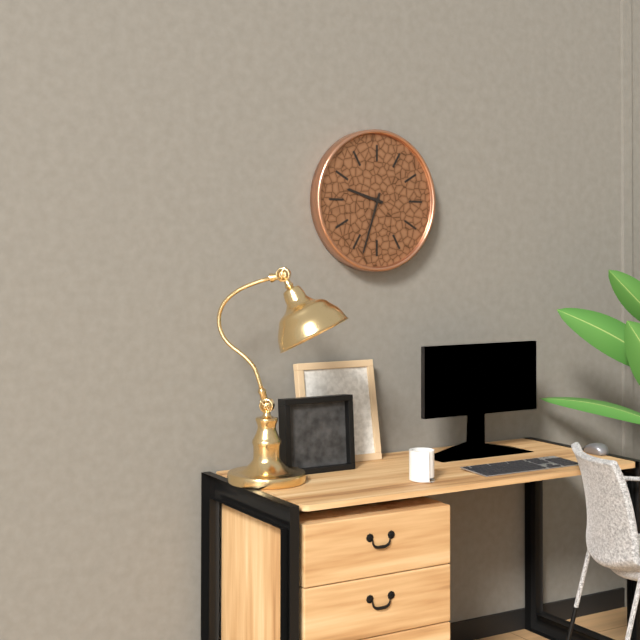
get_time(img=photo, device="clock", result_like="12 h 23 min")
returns 9 h 33 min
